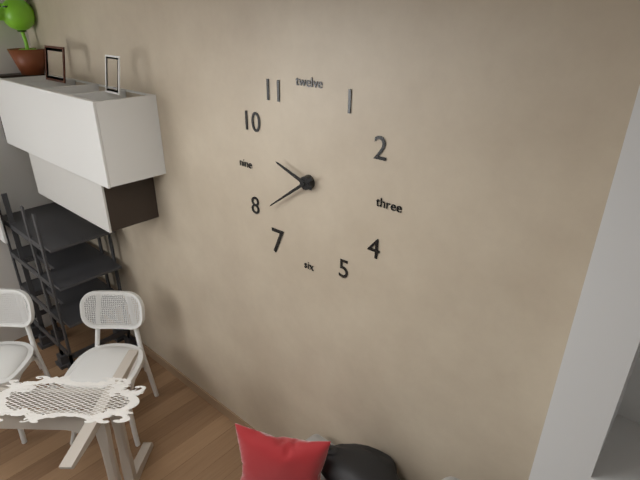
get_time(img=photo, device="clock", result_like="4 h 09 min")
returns 9 h 39 min
